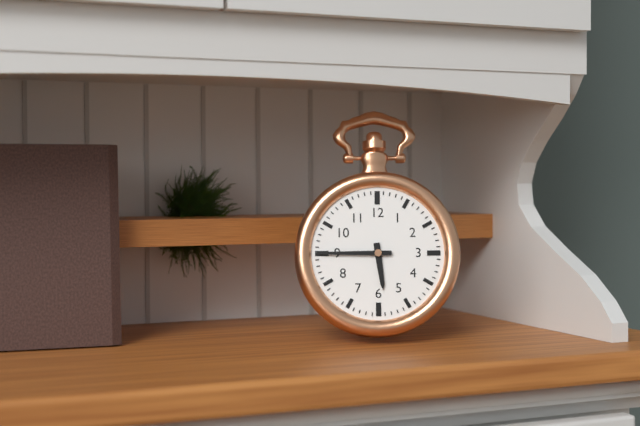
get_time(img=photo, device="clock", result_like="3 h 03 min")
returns 5 h 45 min
